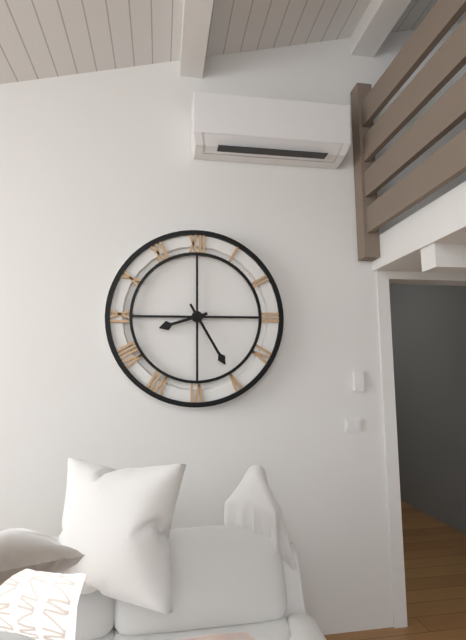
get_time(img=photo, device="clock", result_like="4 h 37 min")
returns 8 h 25 min
